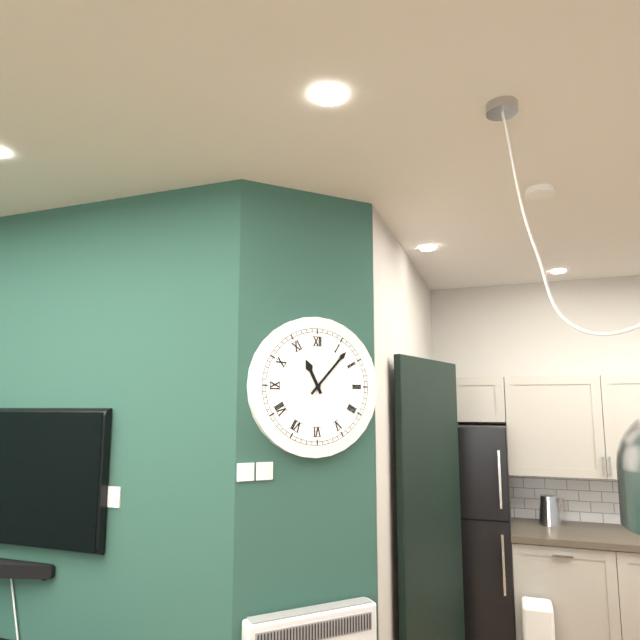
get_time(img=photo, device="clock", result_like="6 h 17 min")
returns 11 h 07 min
